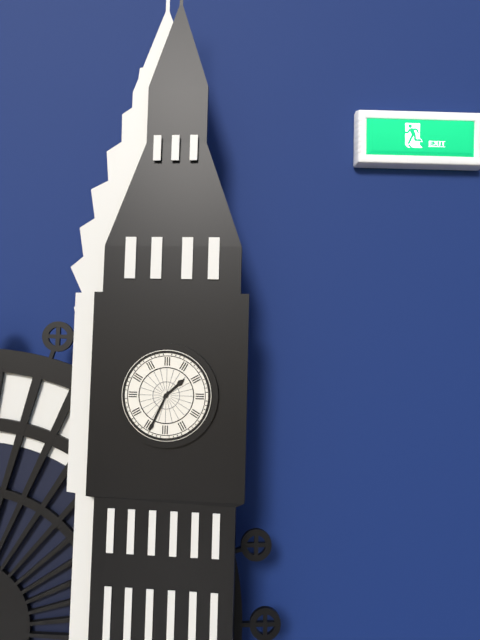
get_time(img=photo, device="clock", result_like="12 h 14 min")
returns 1 h 34 min
